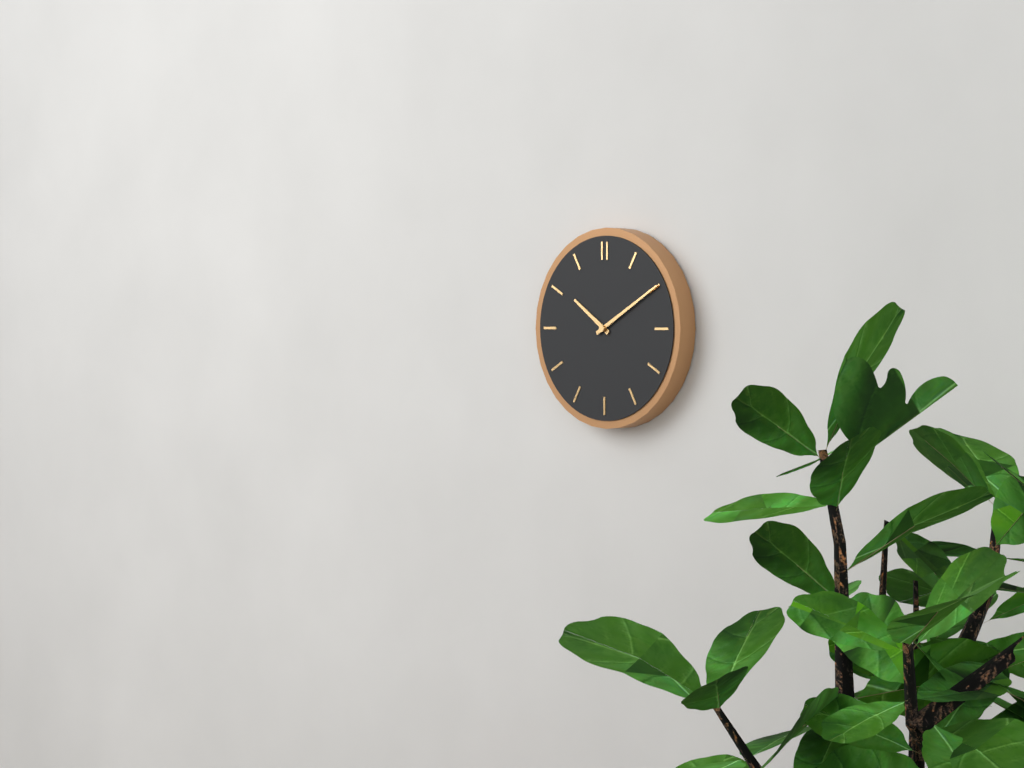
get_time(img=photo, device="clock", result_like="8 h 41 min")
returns 10 h 10 min
